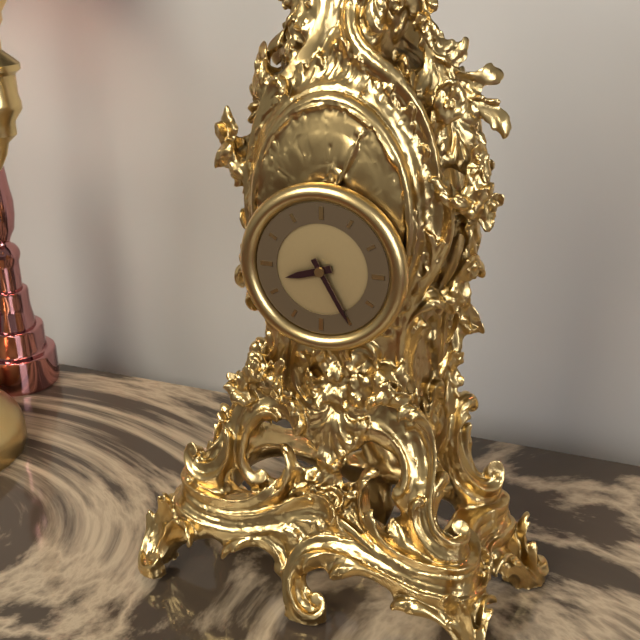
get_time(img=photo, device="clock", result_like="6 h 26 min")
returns 8 h 25 min
